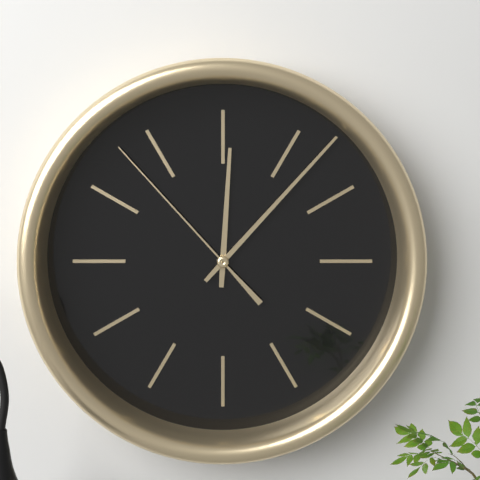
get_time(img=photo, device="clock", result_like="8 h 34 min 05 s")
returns 12 h 07 min 53 s
